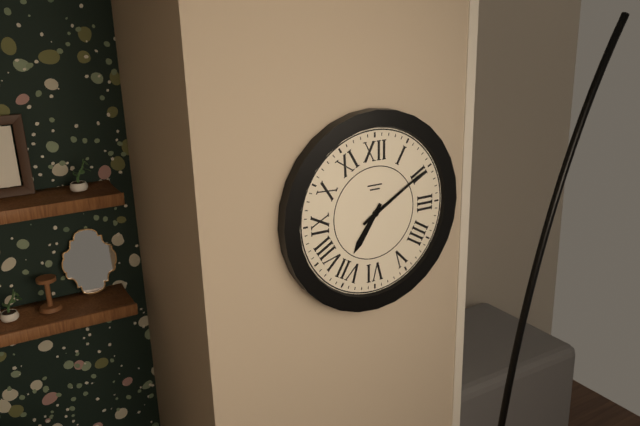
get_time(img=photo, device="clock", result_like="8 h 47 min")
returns 7 h 10 min
